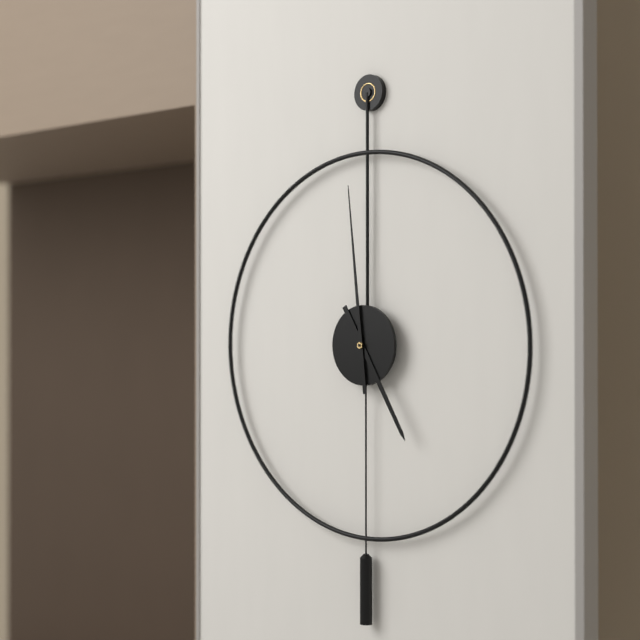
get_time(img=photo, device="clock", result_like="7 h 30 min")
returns 4 h 59 min
